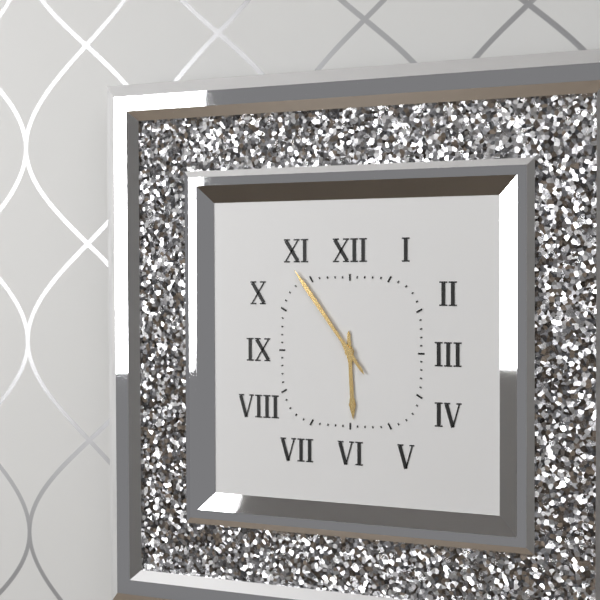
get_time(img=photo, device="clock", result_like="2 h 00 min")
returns 5 h 54 min
